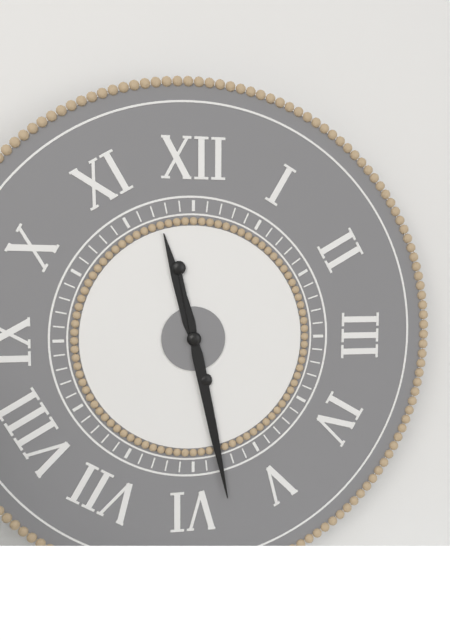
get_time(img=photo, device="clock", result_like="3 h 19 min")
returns 11 h 28 min
